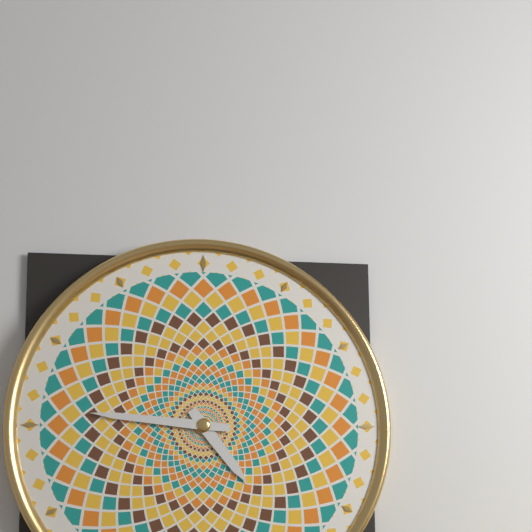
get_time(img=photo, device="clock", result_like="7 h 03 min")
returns 4 h 46 min
